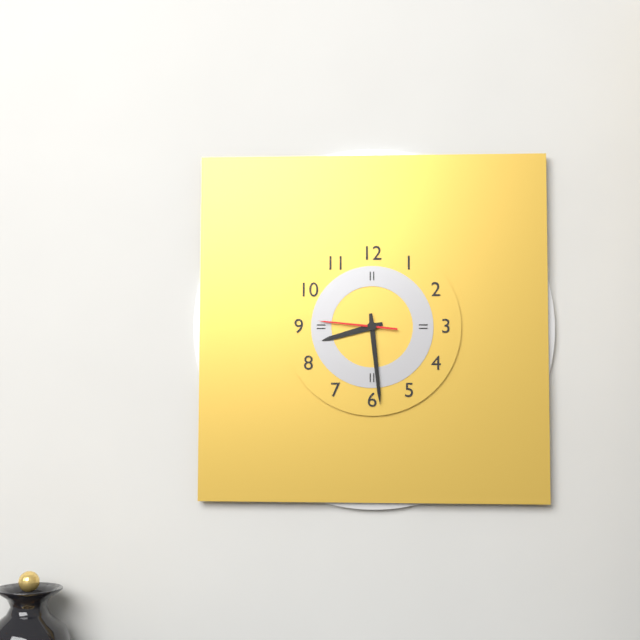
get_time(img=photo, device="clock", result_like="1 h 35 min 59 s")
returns 8 h 29 min 46 s
